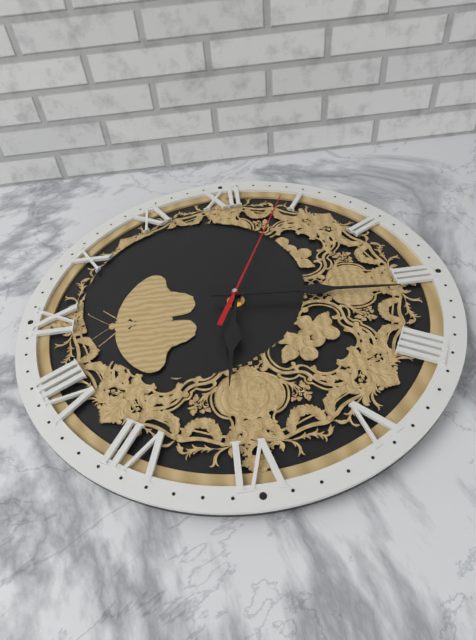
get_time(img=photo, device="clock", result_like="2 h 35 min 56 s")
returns 6 h 16 min 04 s
